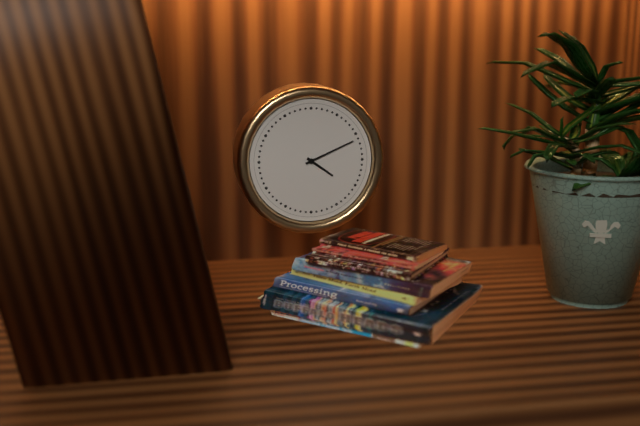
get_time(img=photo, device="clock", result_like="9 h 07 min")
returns 4 h 11 min
